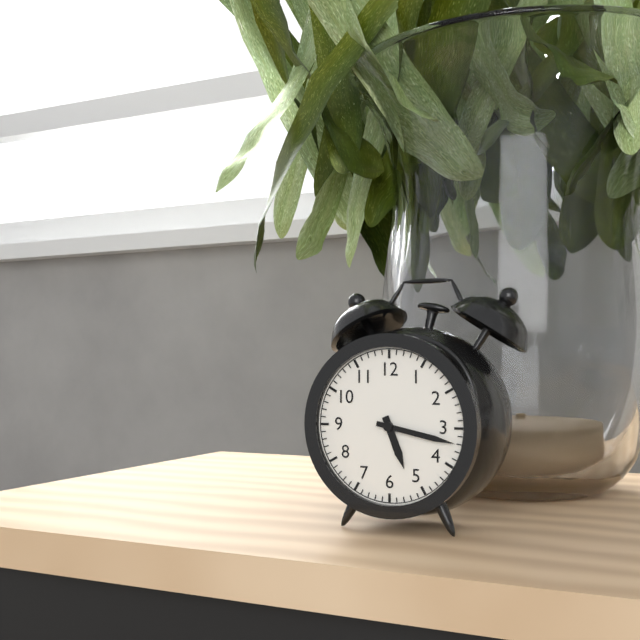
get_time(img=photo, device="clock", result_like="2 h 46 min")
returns 5 h 17 min
